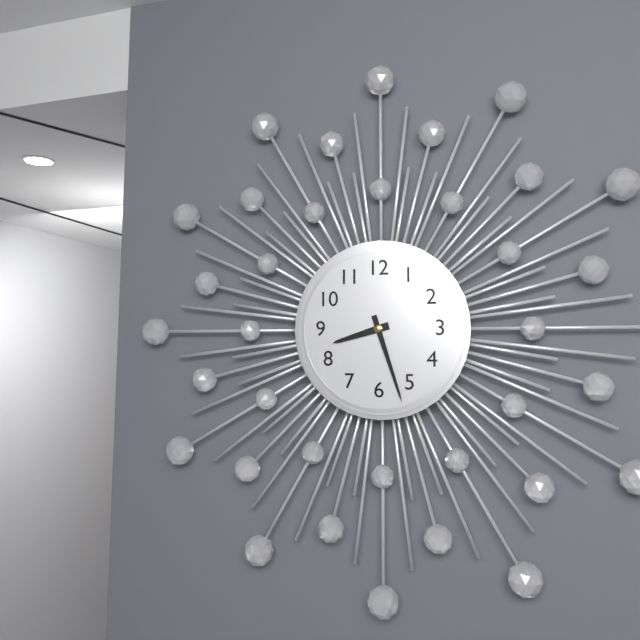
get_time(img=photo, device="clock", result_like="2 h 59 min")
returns 8 h 27 min
